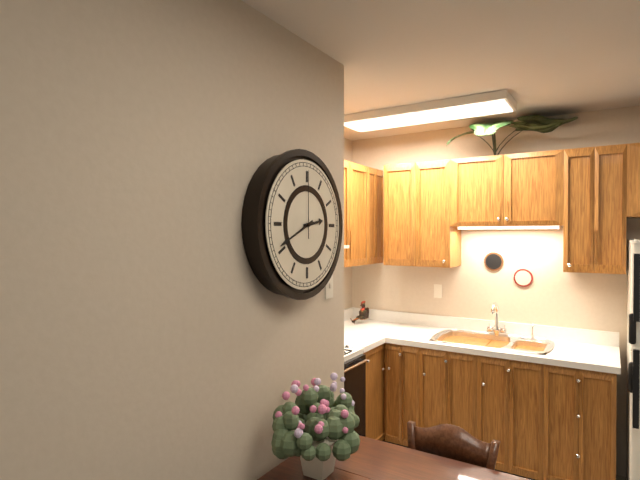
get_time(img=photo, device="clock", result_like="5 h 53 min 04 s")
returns 2 h 41 min 00 s
